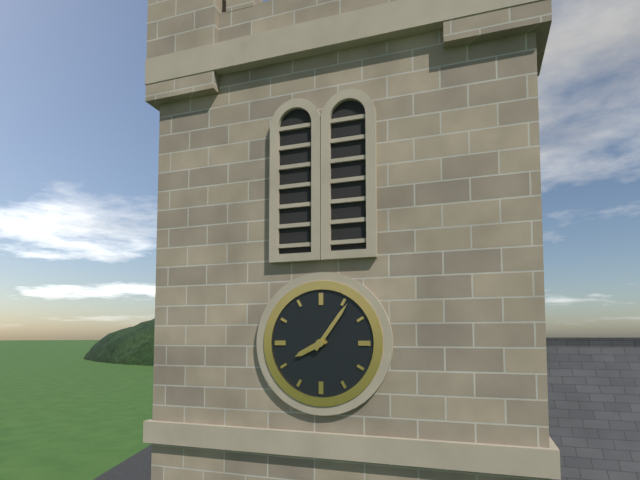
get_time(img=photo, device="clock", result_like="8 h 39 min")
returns 8 h 06 min
